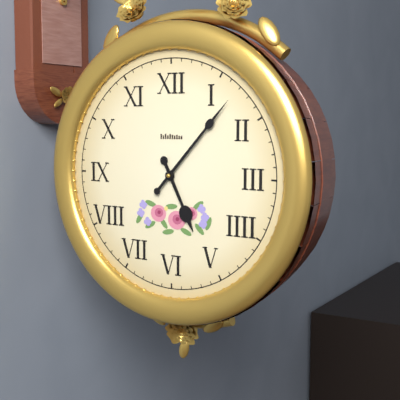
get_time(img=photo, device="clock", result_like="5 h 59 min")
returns 5 h 07 min
